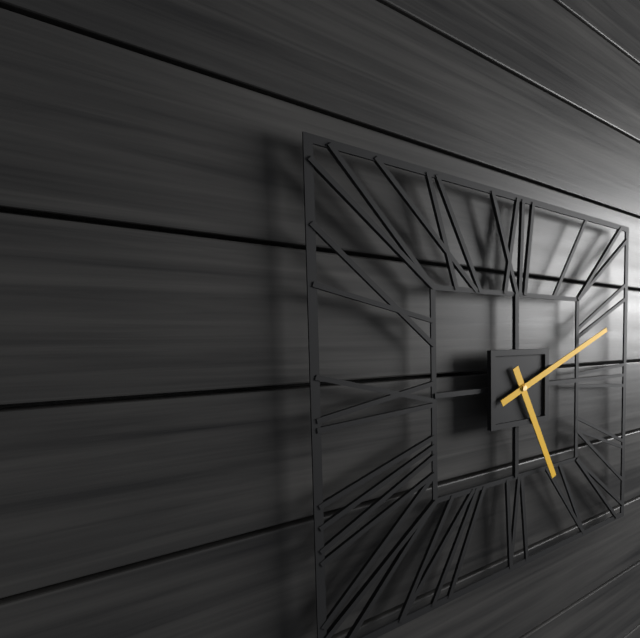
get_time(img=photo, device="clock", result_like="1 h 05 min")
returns 5 h 11 min
